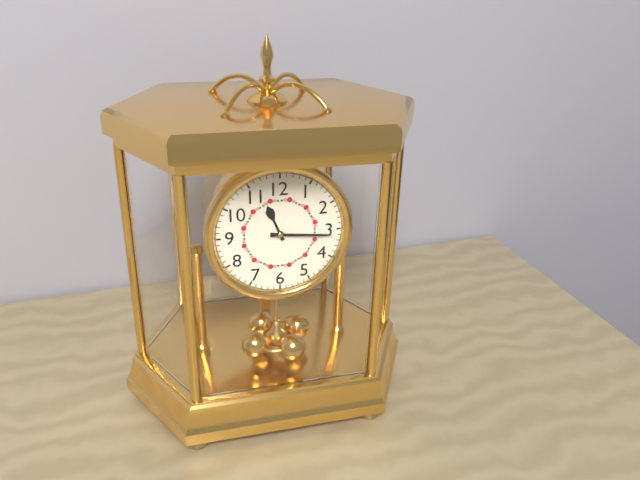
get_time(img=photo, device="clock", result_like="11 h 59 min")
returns 11 h 16 min
